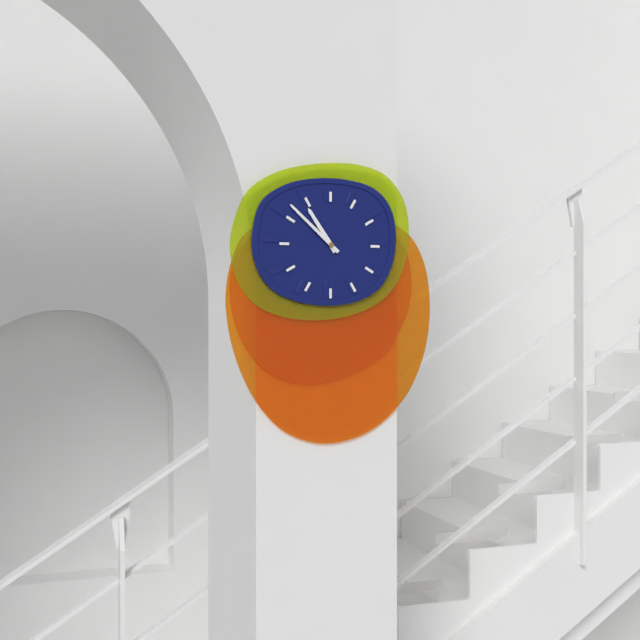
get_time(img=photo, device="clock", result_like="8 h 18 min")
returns 10 h 52 min
